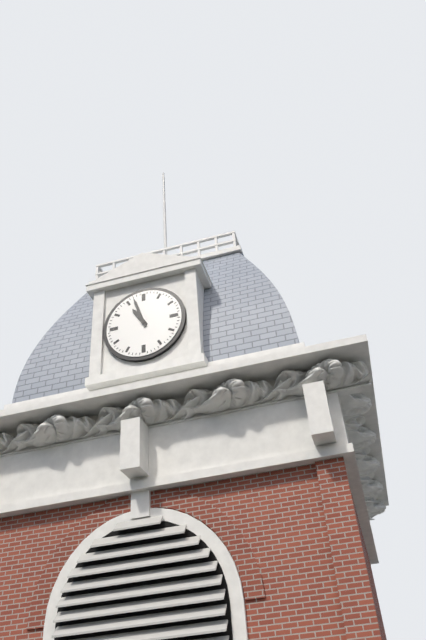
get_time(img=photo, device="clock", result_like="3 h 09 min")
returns 10 h 57 min
